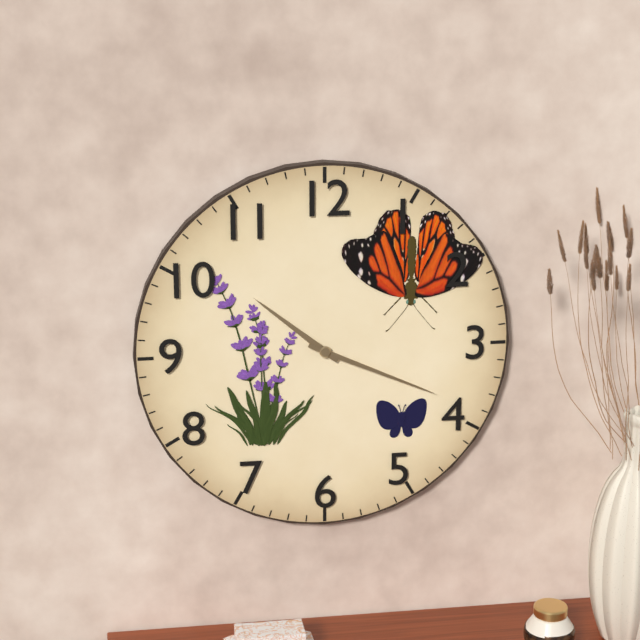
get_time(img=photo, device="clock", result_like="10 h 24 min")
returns 10 h 19 min
